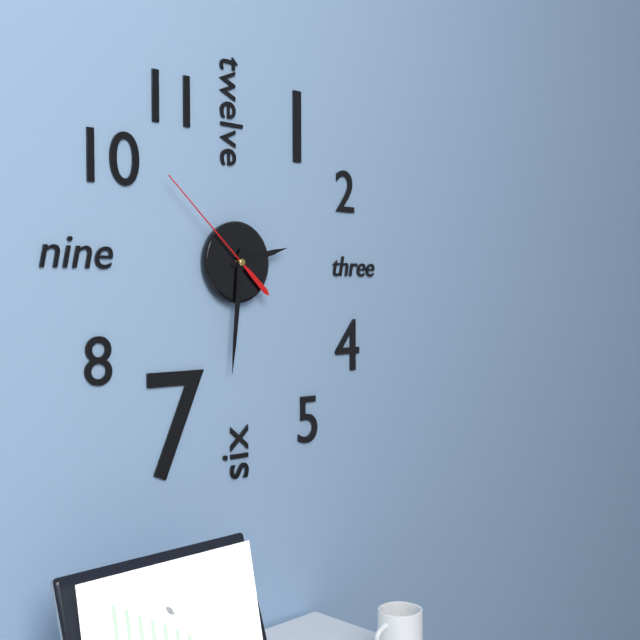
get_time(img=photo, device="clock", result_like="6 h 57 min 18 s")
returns 2 h 31 min 52 s
